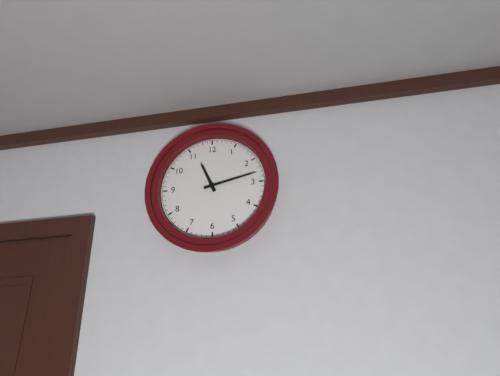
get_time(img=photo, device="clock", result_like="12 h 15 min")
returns 11 h 13 min
